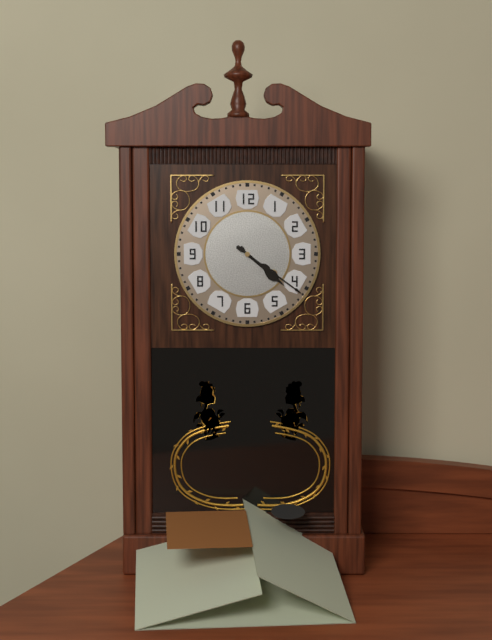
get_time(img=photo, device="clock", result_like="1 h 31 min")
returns 4 h 21 min
